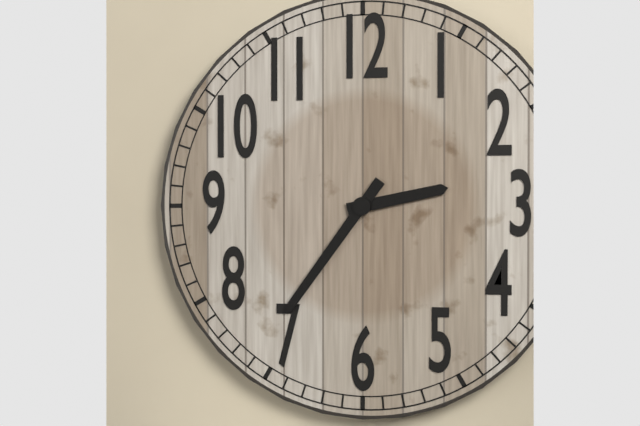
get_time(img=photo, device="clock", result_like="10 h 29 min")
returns 2 h 36 min
